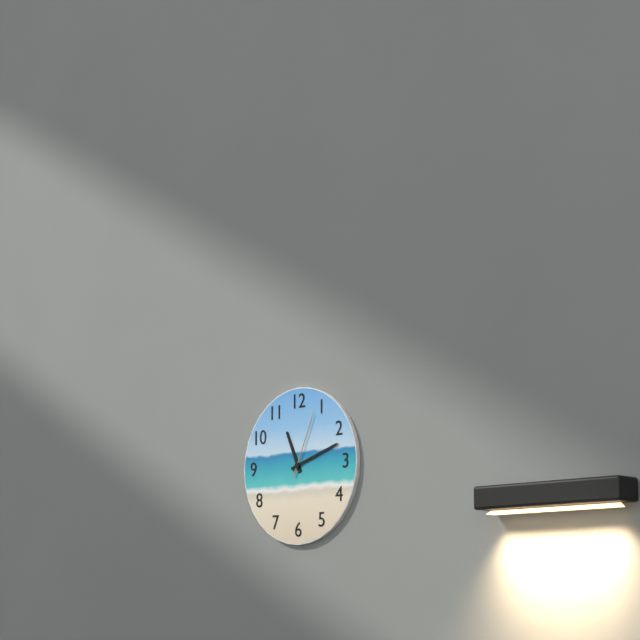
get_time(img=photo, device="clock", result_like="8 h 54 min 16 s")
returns 11 h 12 min 04 s
